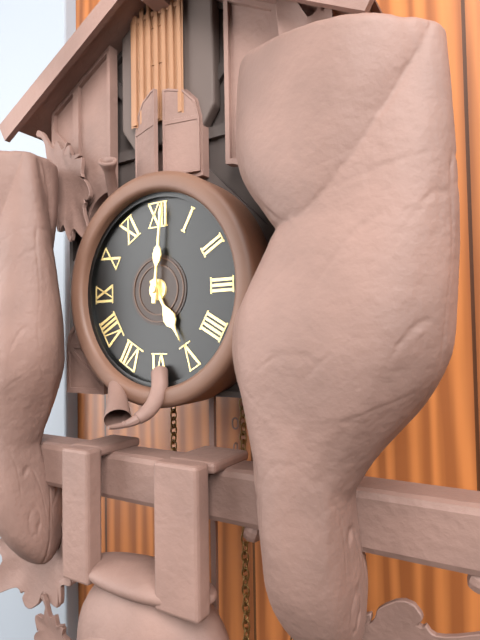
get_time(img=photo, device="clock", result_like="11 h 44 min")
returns 5 h 01 min
